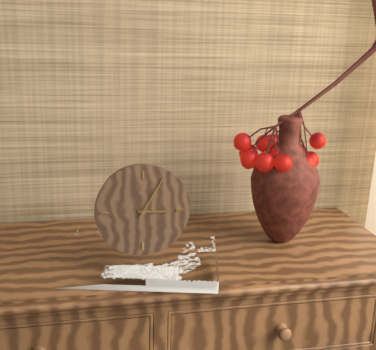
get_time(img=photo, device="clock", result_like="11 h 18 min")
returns 3 h 05 min
